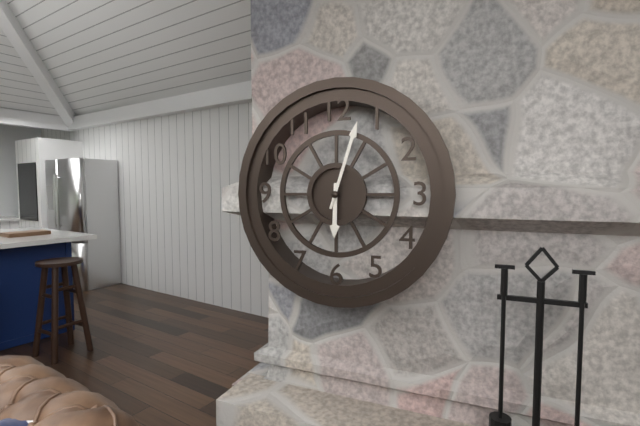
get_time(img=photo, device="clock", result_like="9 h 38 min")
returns 6 h 03 min
